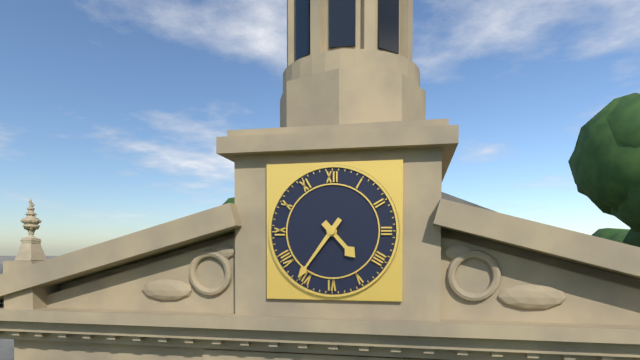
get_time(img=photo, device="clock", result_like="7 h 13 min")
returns 4 h 36 min
